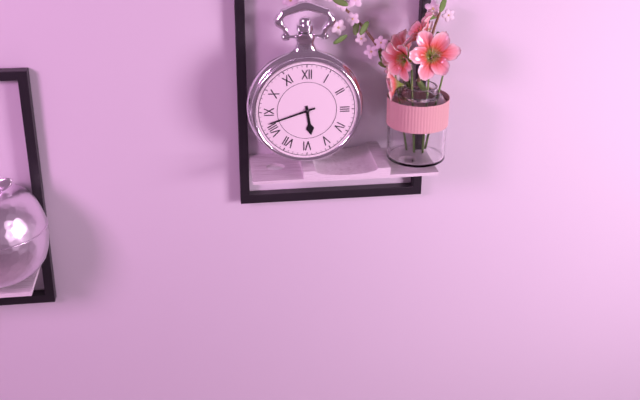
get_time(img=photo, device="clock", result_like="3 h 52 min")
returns 5 h 42 min
